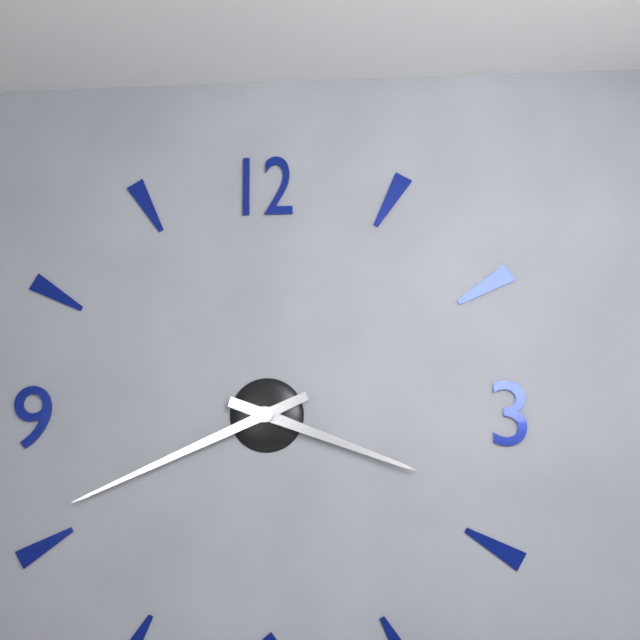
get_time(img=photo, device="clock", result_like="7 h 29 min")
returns 3 h 41 min
